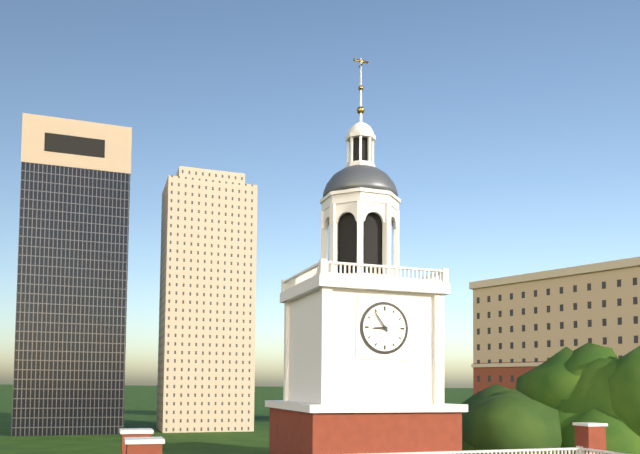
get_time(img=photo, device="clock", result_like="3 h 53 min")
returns 8 h 54 min
